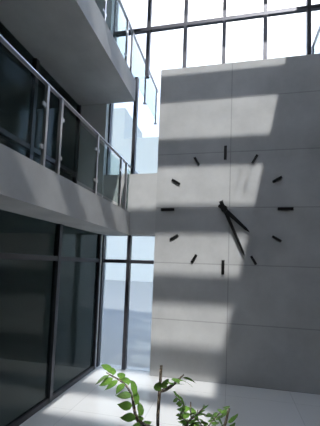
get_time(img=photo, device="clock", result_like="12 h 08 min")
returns 4 h 26 min
